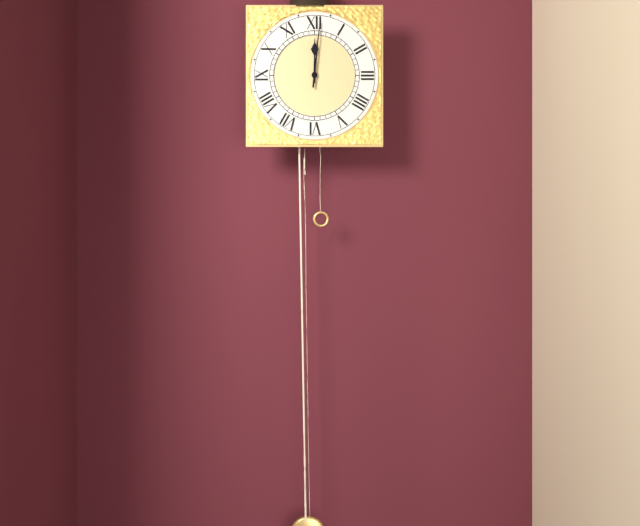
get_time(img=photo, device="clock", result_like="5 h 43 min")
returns 12 h 01 min
